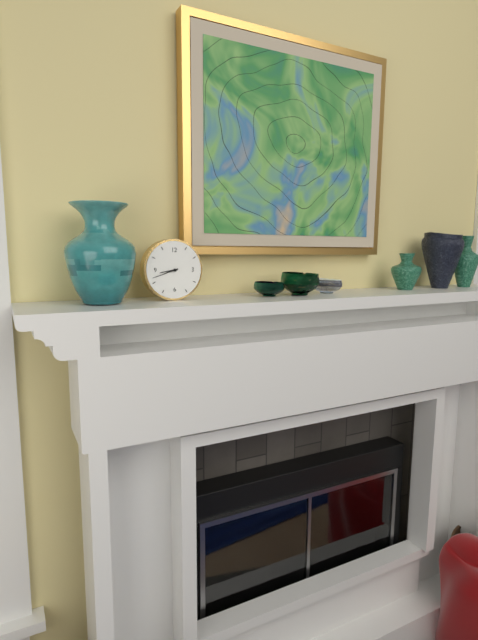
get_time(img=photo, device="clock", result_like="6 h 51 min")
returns 8 h 42 min
